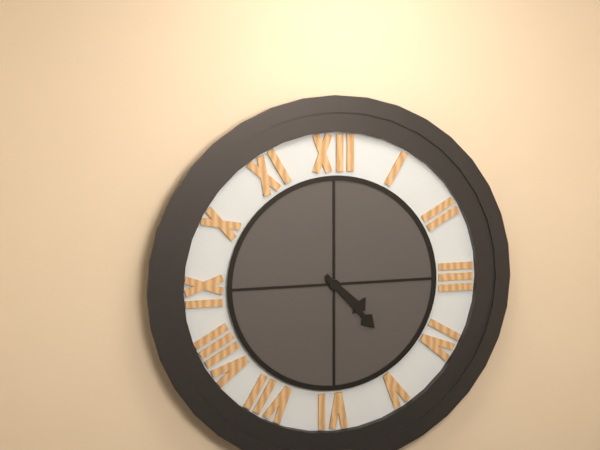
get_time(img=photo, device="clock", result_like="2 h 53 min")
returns 4 h 23 min
